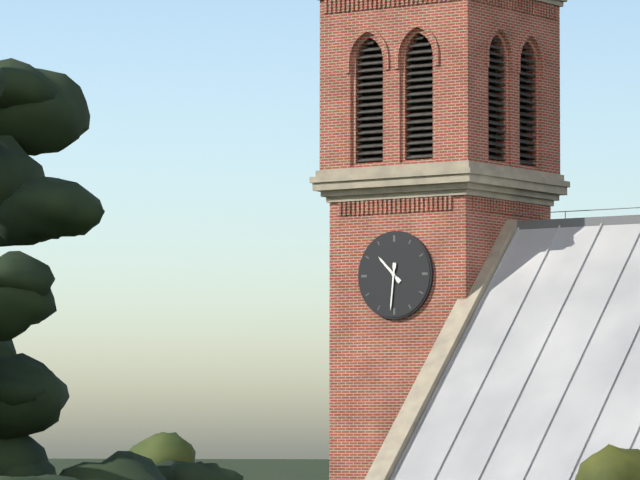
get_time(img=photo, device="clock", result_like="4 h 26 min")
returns 10 h 31 min
